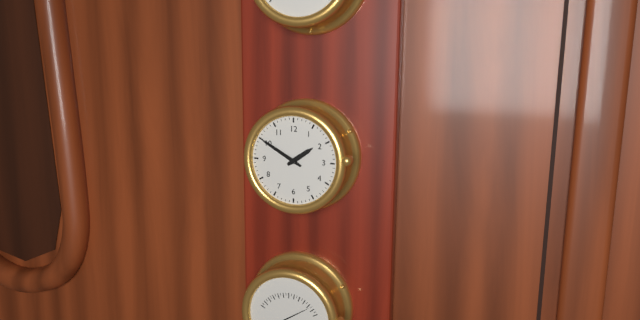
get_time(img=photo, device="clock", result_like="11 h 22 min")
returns 1 h 50 min
